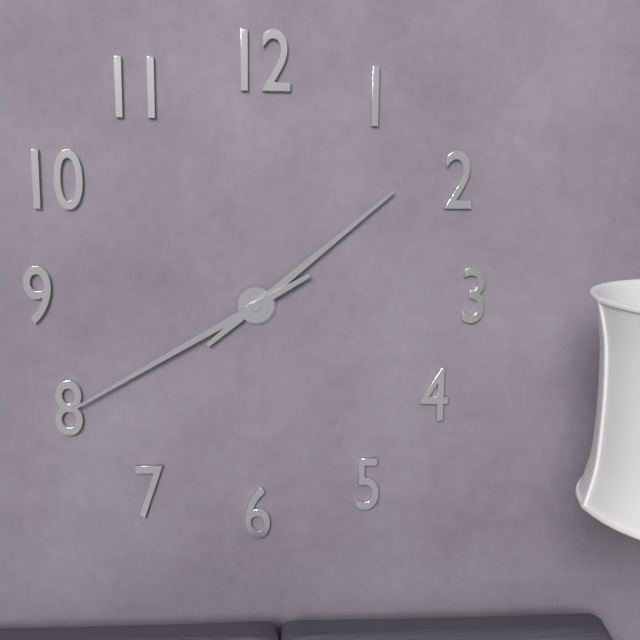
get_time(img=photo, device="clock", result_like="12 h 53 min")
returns 1 h 40 min
